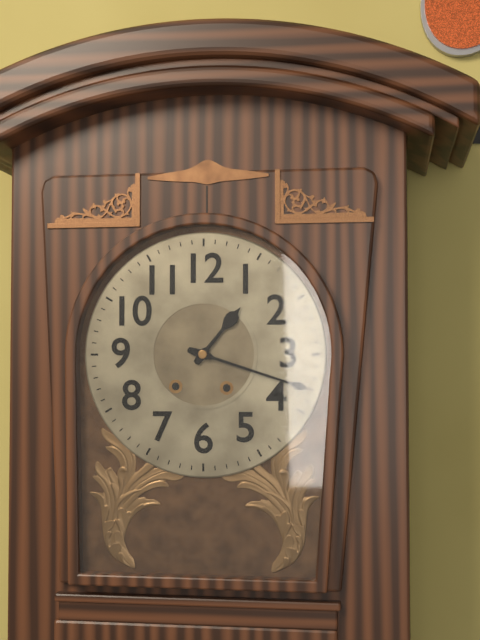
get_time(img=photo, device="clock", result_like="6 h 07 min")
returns 1 h 18 min
